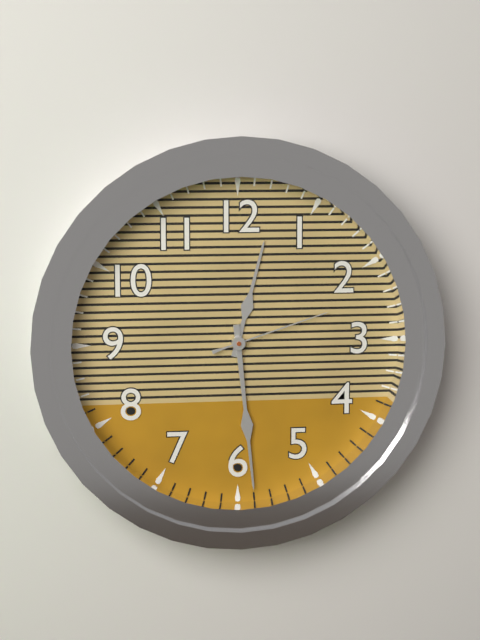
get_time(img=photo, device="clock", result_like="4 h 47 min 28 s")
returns 12 h 29 min 12 s
